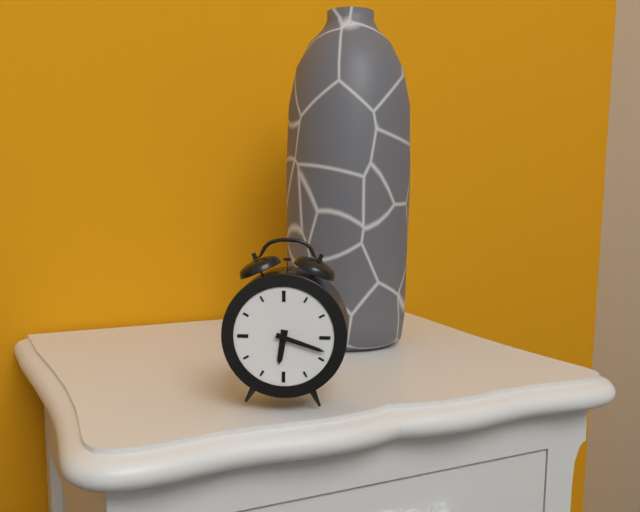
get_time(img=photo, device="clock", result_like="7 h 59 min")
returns 6 h 18 min
